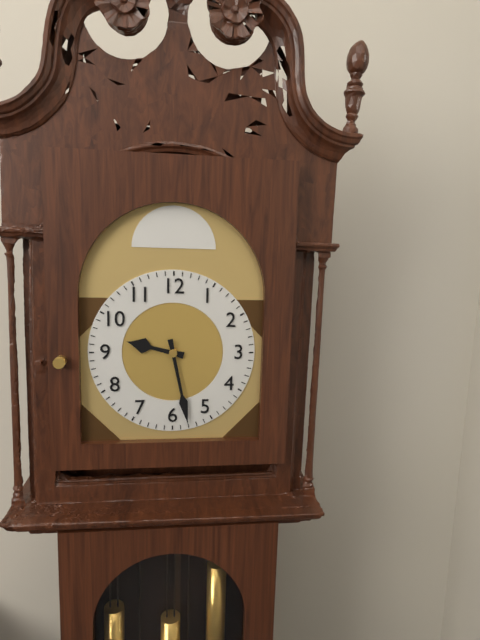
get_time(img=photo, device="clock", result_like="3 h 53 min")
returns 9 h 28 min
